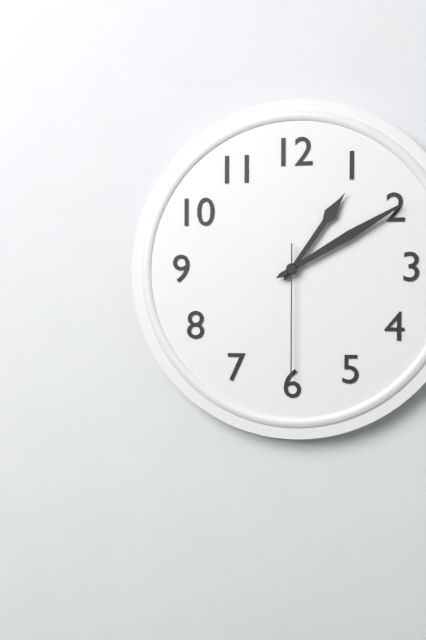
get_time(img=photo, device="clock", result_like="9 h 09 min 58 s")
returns 1 h 10 min 30 s
